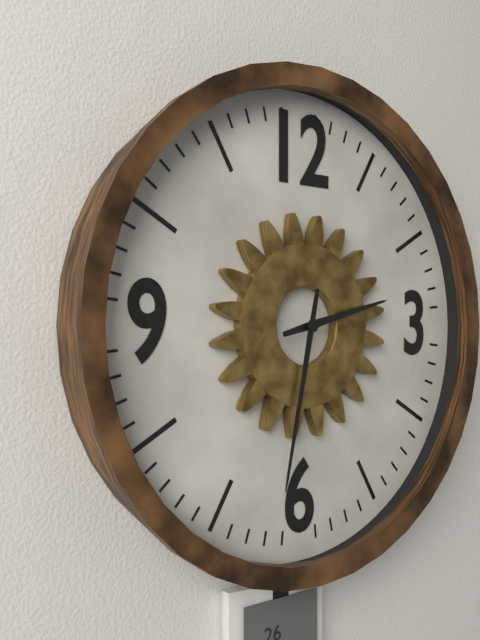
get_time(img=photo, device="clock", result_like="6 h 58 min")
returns 2 h 32 min
